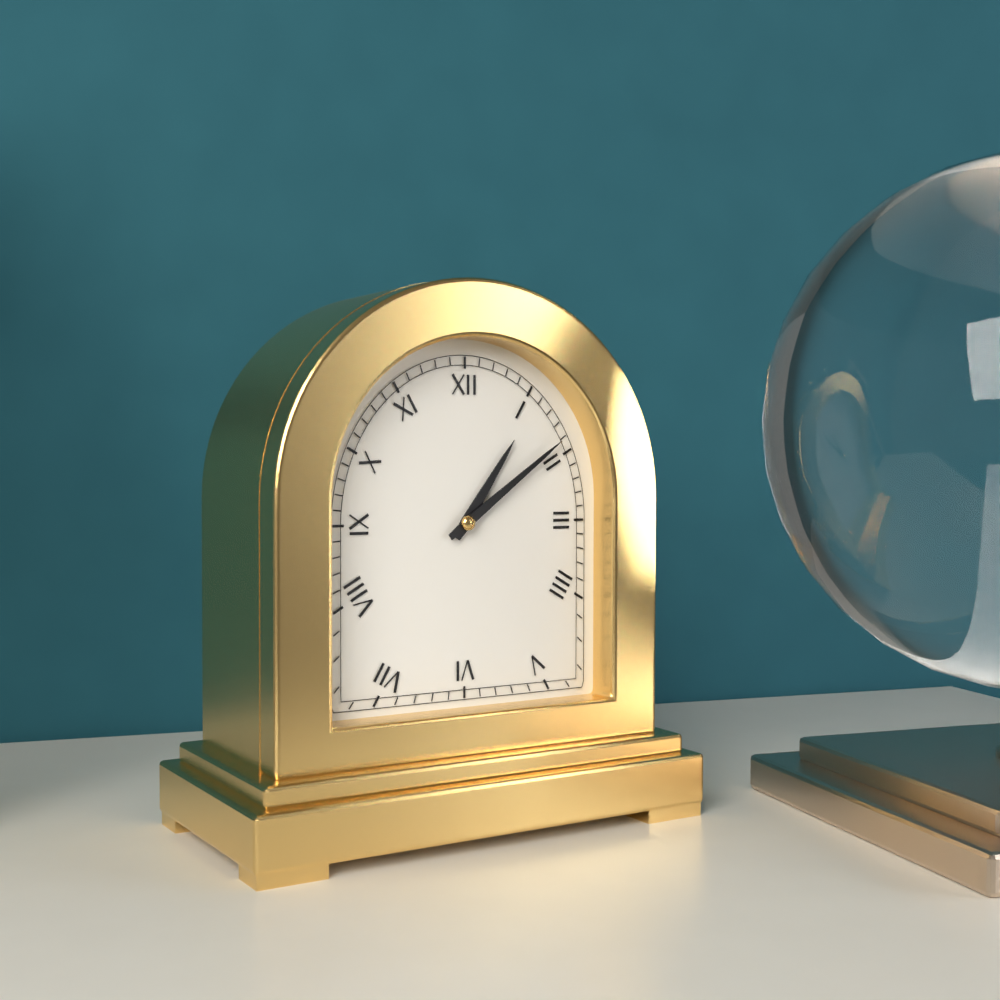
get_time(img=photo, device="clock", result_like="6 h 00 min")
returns 1 h 09 min
